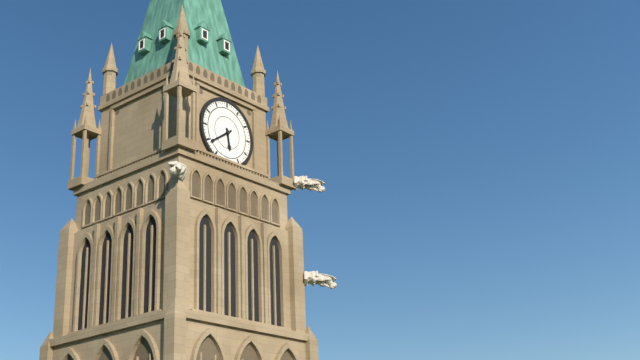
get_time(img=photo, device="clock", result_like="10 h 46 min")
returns 5 h 39 min
